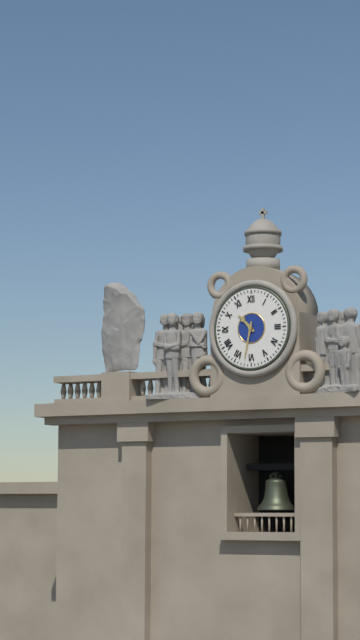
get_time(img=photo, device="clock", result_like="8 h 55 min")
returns 10 h 32 min
